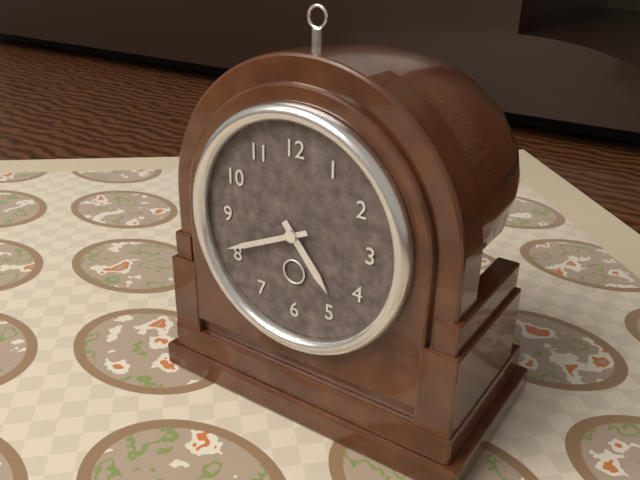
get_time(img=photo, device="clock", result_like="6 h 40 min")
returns 4 h 41 min
